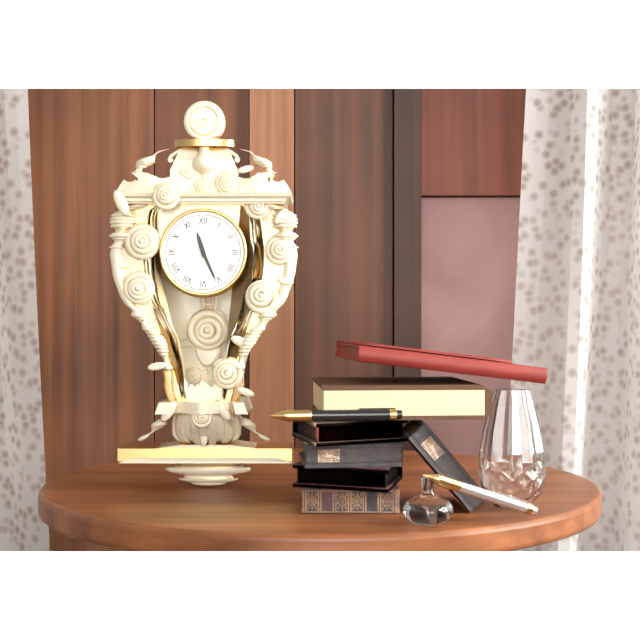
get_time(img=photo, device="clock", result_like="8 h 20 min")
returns 11 h 26 min
